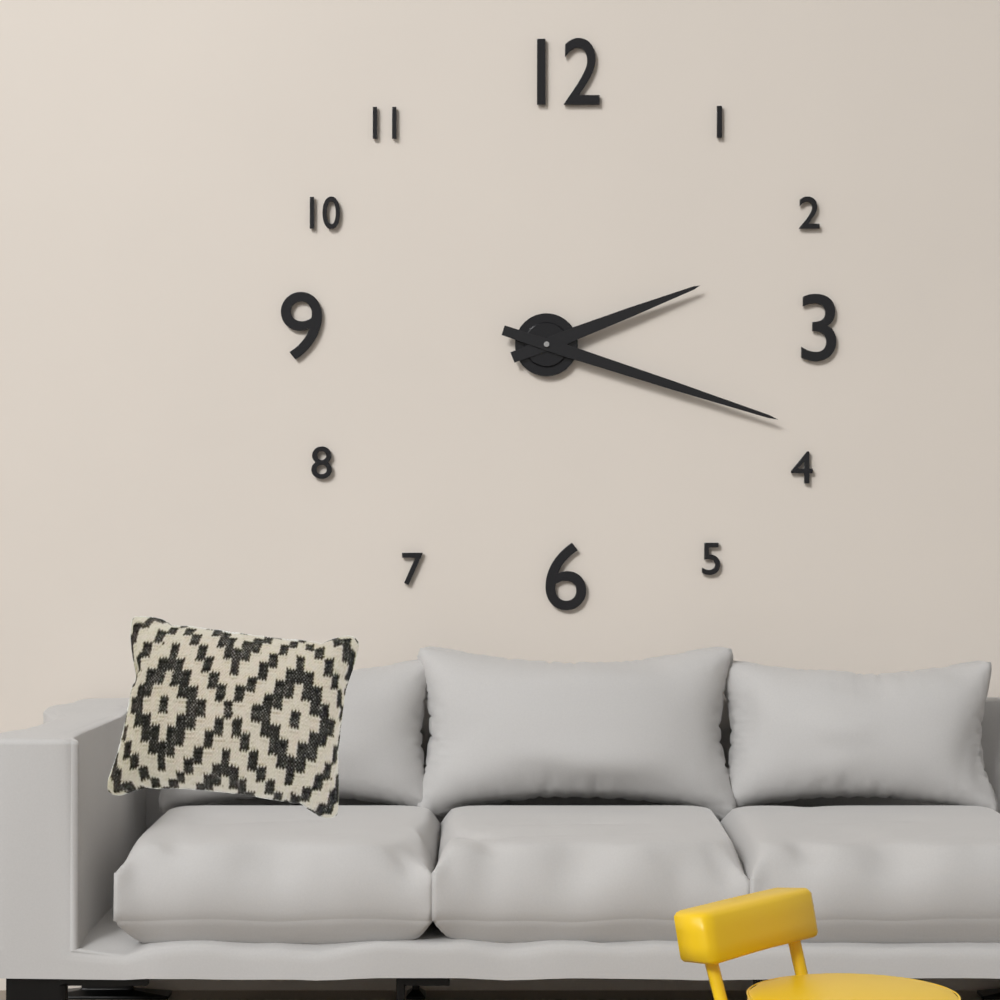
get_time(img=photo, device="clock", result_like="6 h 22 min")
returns 2 h 18 min
